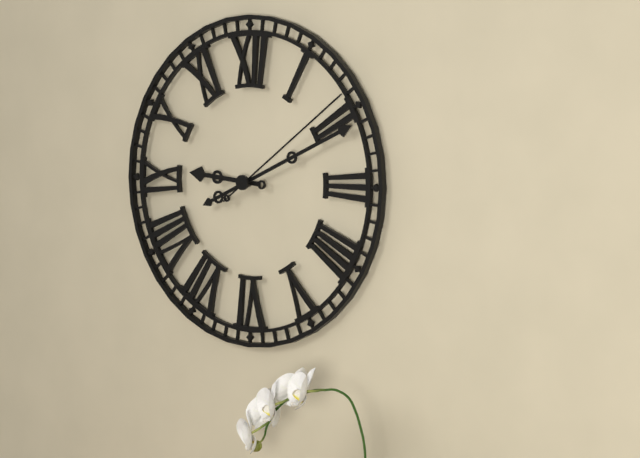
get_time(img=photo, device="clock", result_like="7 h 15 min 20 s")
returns 9 h 11 min 09 s
